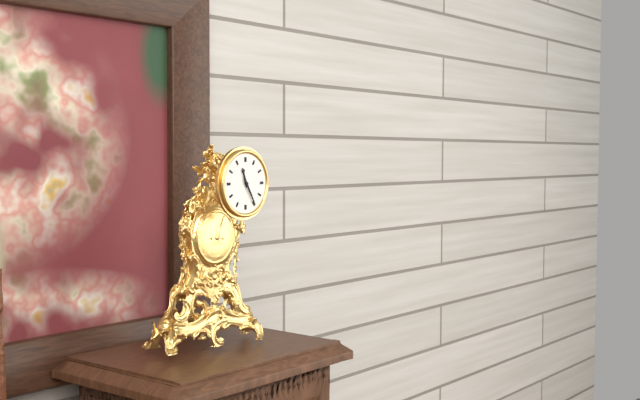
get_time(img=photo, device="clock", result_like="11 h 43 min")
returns 11 h 25 min
